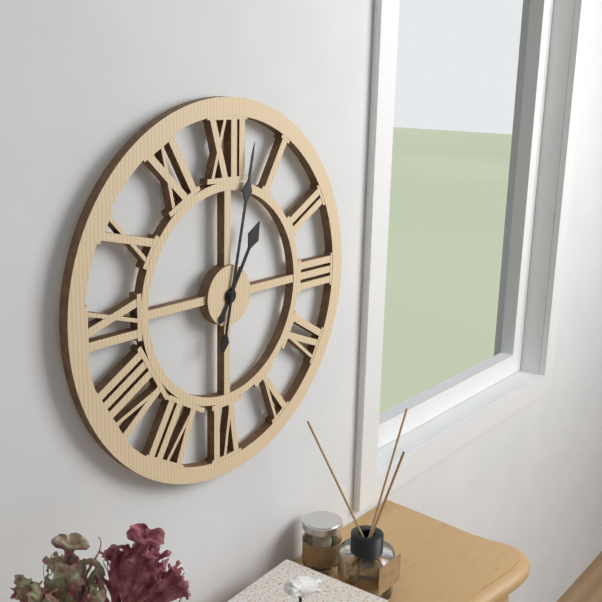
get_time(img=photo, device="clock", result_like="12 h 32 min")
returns 1 h 02 min
